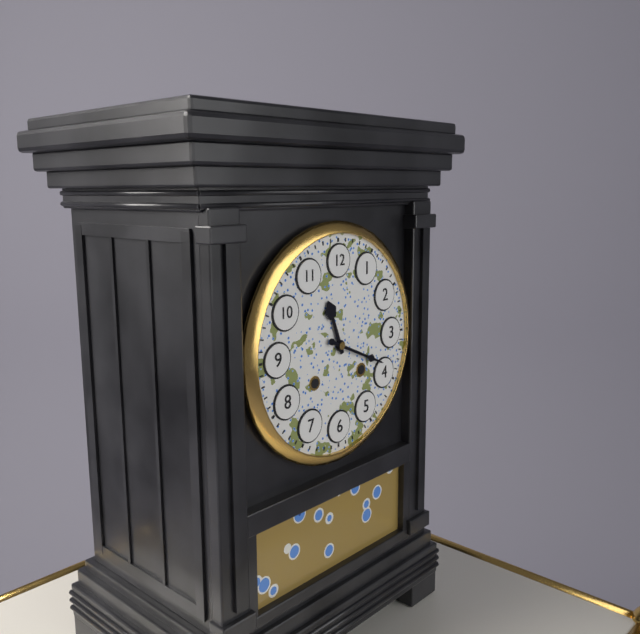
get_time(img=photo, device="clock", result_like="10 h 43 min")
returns 11 h 19 min
